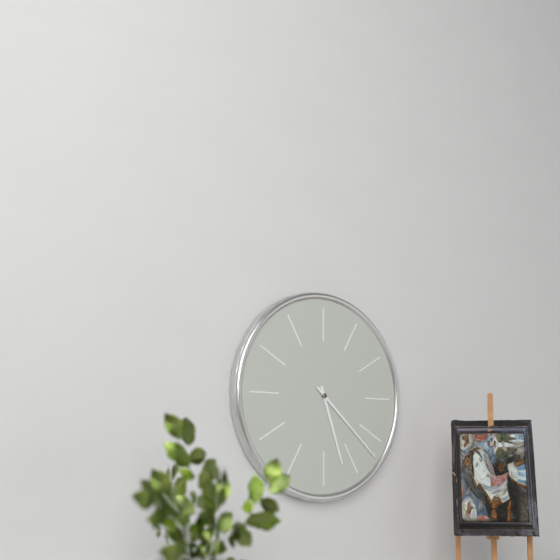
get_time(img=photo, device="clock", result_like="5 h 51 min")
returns 5 h 22 min
